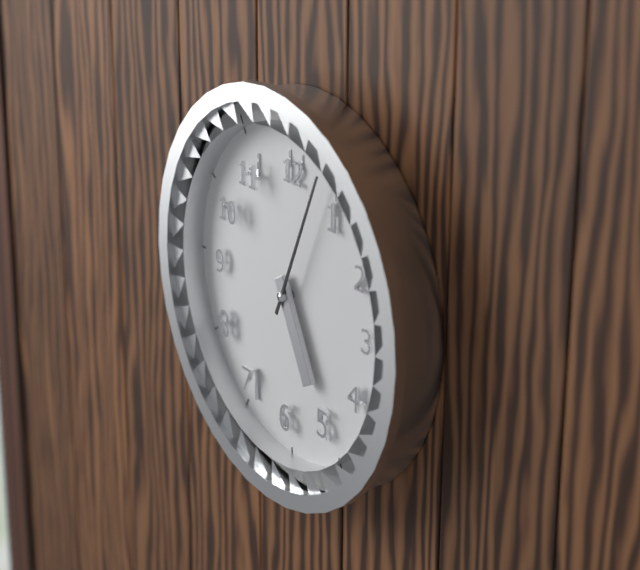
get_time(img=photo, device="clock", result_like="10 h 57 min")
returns 5 h 04 min
